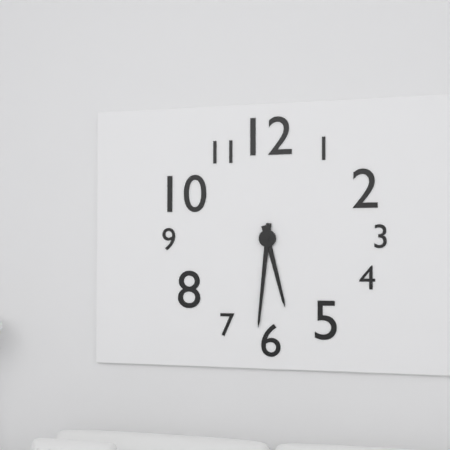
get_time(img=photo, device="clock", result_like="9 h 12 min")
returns 5 h 31 min
